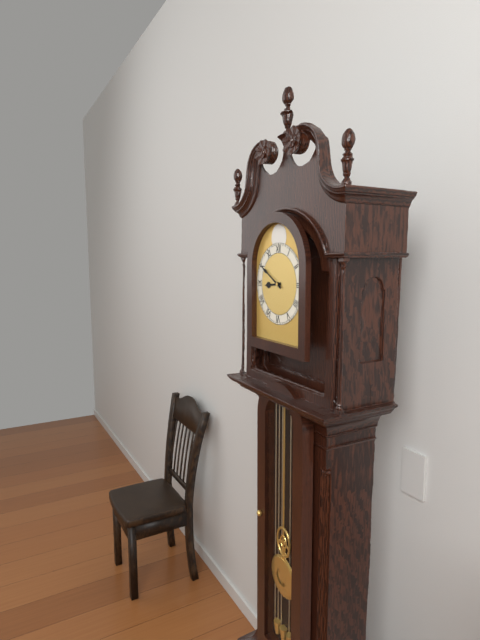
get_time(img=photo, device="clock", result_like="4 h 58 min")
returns 8 h 50 min
